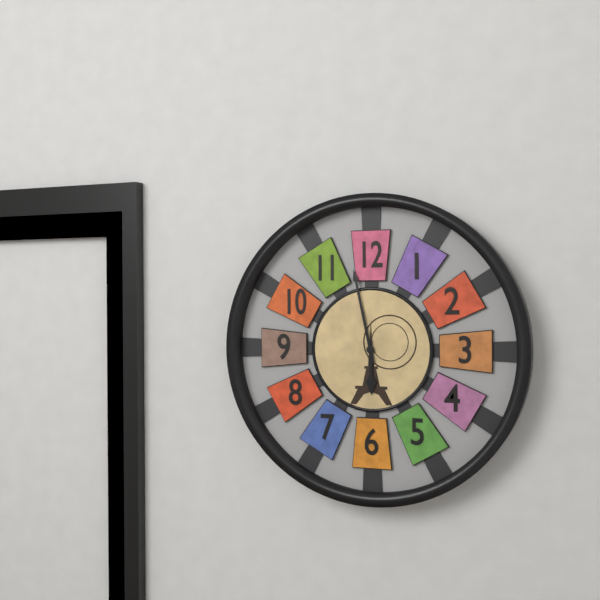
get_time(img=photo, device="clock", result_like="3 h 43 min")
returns 5 h 58 min
